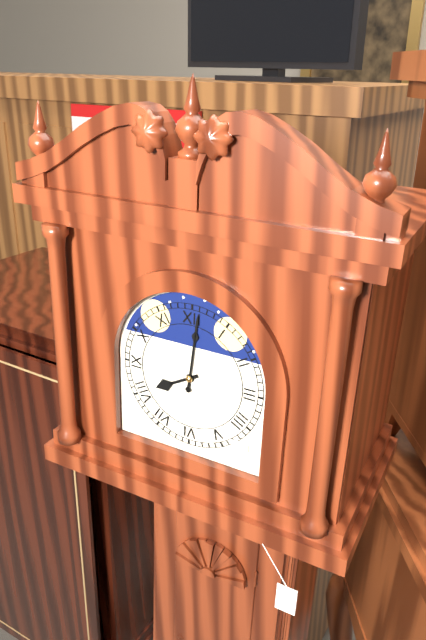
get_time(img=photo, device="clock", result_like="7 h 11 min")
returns 8 h 01 min
